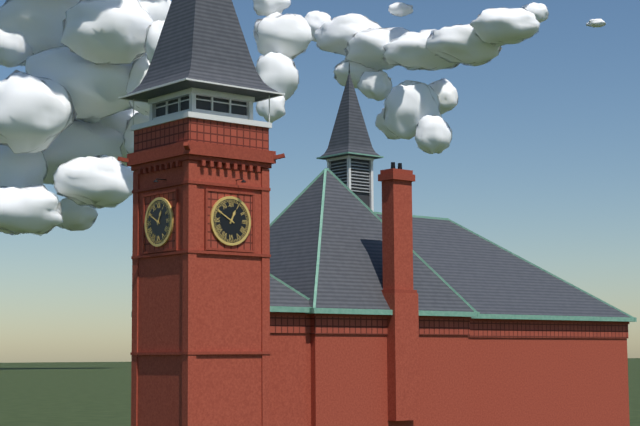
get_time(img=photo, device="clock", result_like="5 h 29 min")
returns 12 h 50 min
